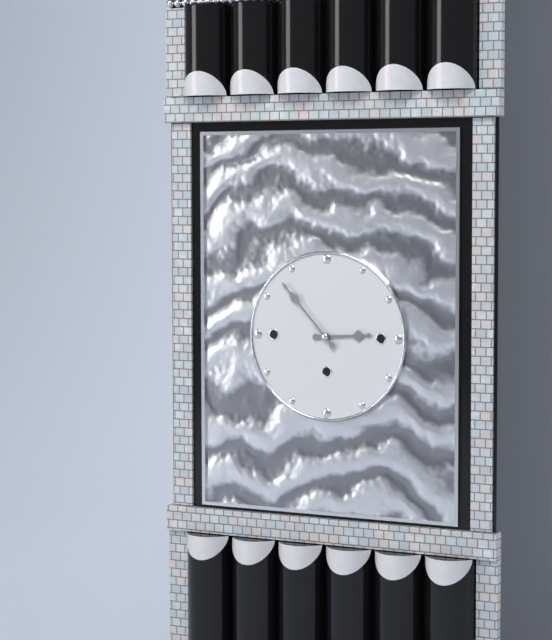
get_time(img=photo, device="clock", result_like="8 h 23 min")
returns 2 h 53 min
